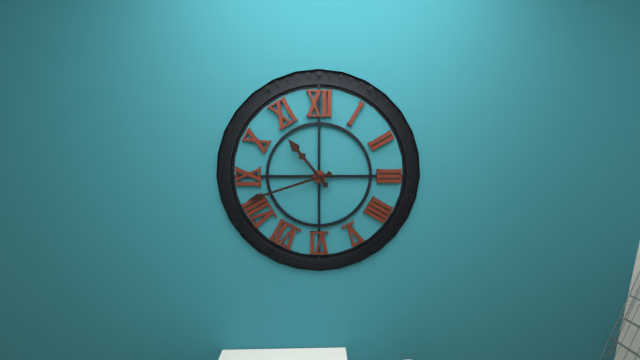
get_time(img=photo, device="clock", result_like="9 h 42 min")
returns 10 h 42 min
